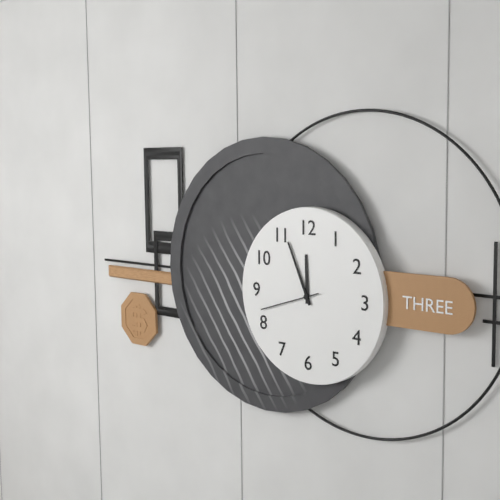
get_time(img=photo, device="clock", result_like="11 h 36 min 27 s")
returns 11 h 56 min 42 s
